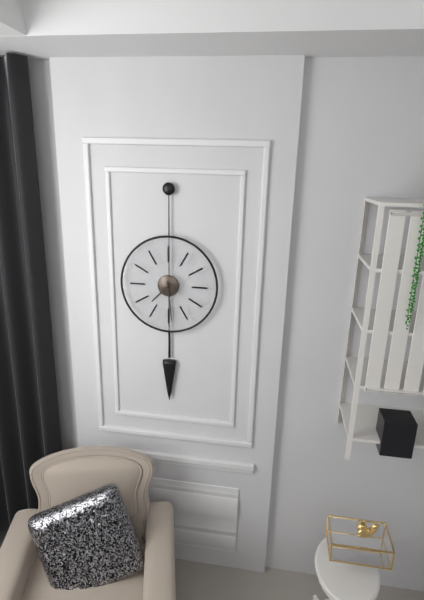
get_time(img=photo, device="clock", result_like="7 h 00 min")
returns 7 h 29 min
